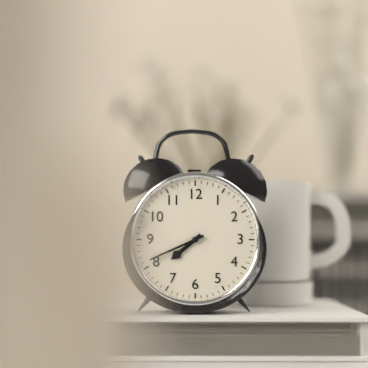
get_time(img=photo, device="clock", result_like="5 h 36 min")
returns 7 h 41 min
